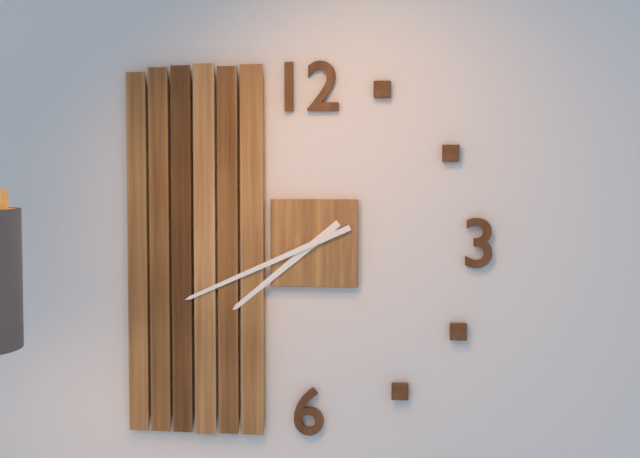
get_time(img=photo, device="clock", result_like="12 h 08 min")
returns 7 h 41 min
